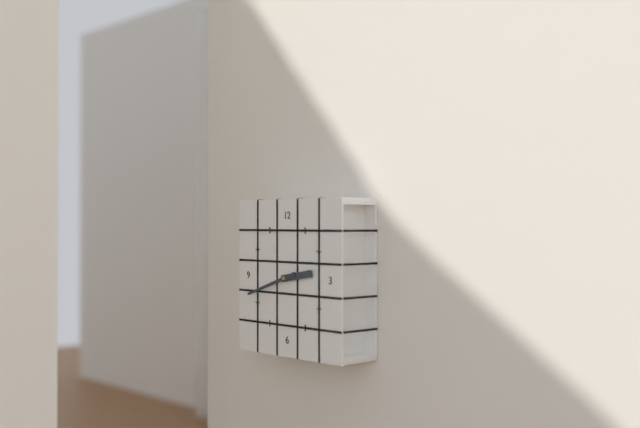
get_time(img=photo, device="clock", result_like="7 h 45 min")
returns 2 h 42 min
